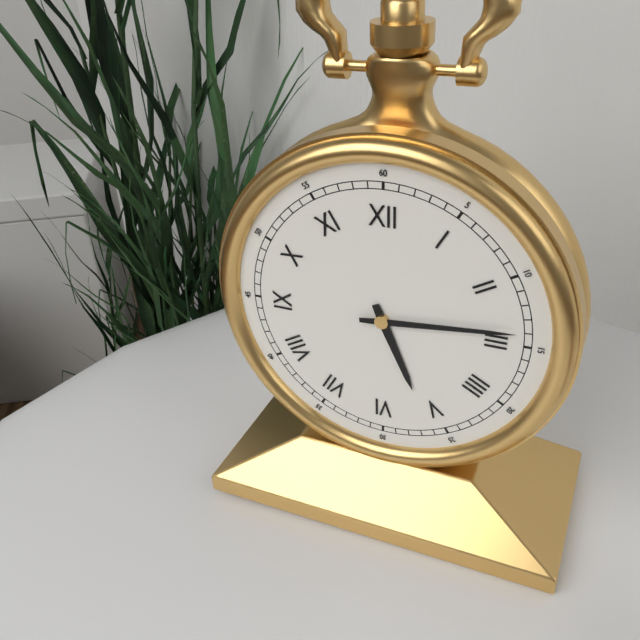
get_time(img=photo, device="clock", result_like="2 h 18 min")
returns 5 h 14 min
